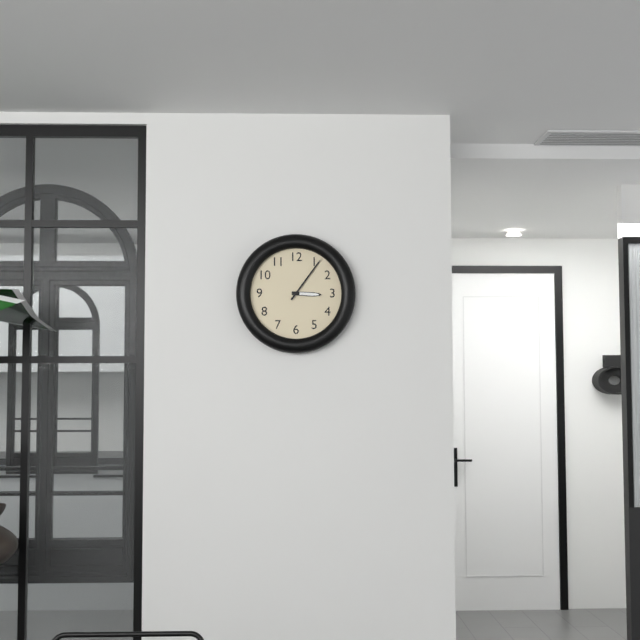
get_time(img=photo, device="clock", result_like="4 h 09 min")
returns 3 h 06 min
